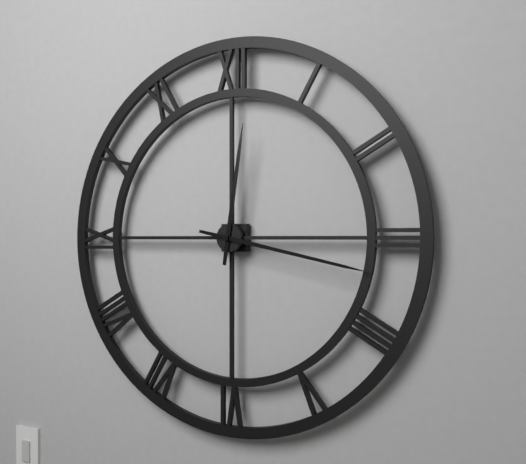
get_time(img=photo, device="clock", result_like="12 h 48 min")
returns 12 h 17 min
